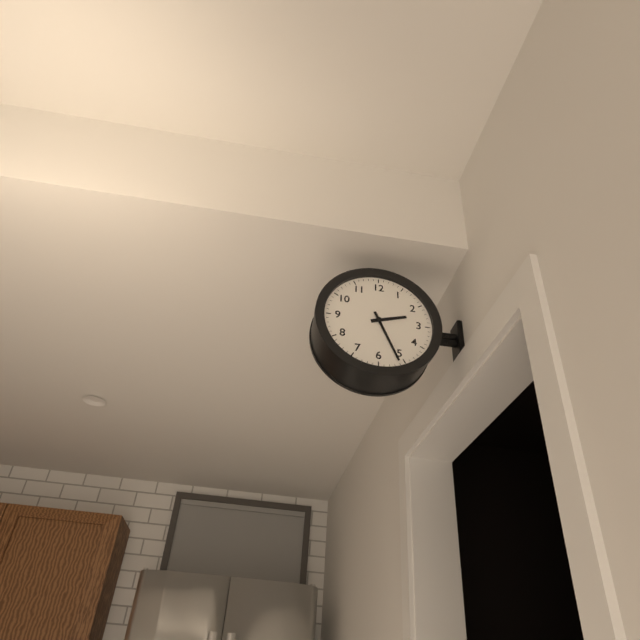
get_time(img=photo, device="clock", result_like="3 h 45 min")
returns 2 h 26 min
